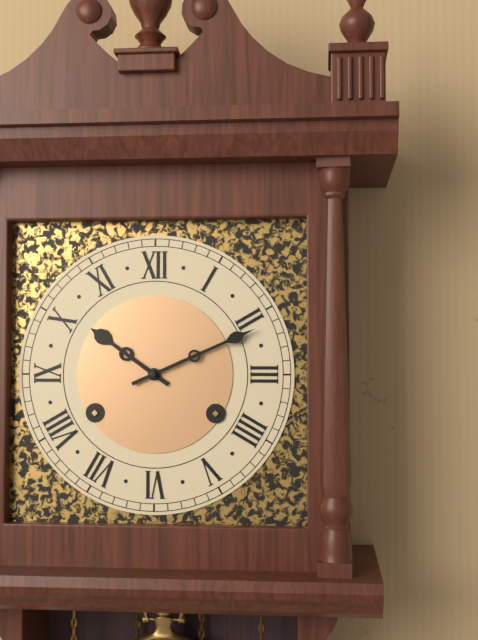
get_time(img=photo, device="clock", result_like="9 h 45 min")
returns 10 h 11 min
